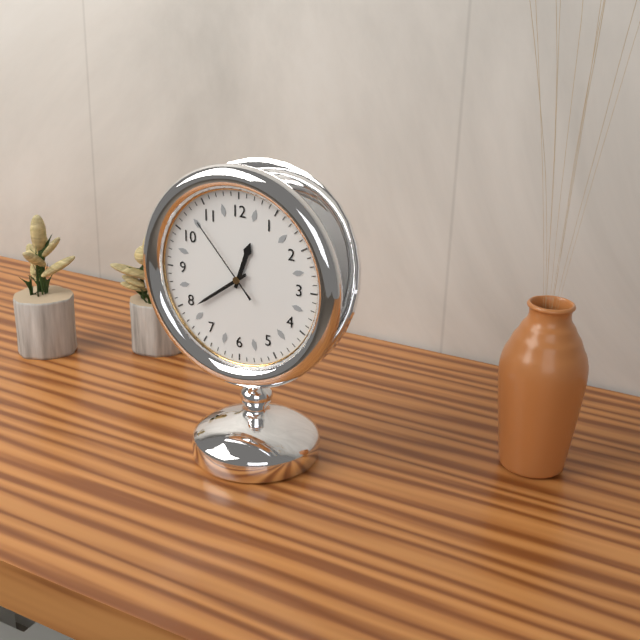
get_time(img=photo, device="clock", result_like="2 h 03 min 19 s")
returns 12 h 39 min 53 s
